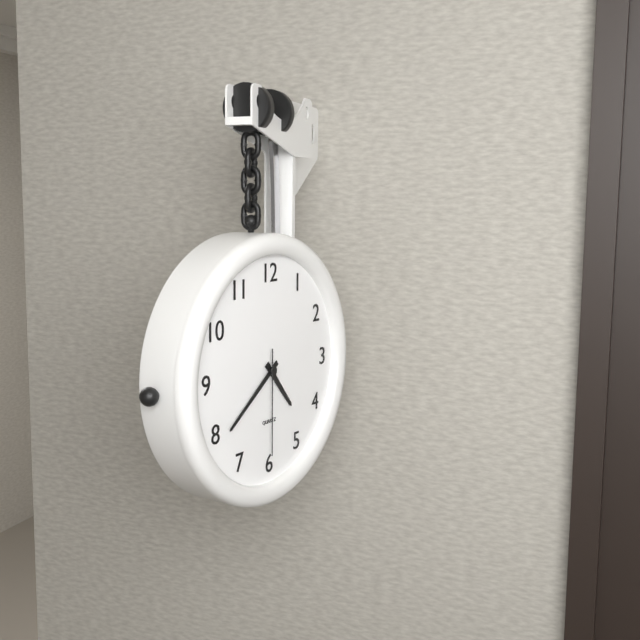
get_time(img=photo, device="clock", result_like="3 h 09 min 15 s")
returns 4 h 39 min 30 s
